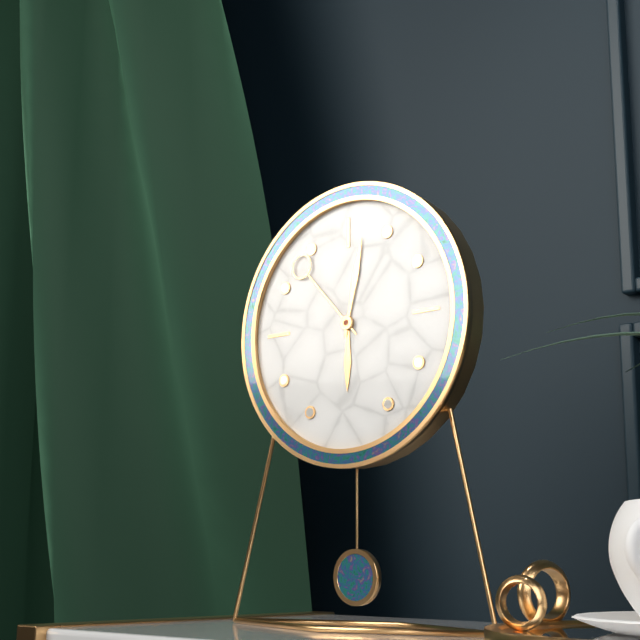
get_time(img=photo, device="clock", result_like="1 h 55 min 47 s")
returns 6 h 02 min 53 s
